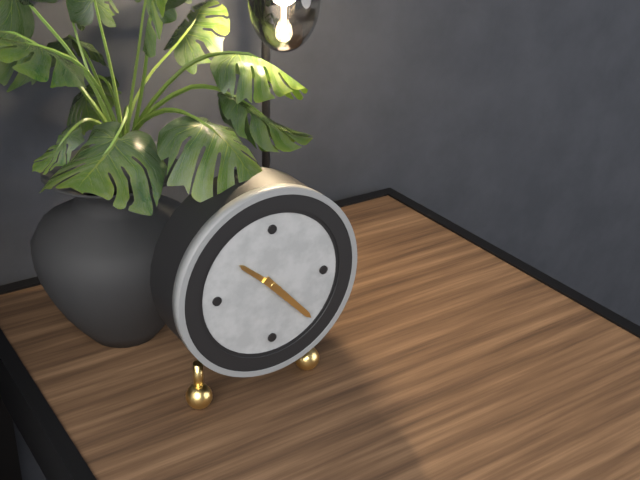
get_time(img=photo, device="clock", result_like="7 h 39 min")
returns 10 h 23 min
